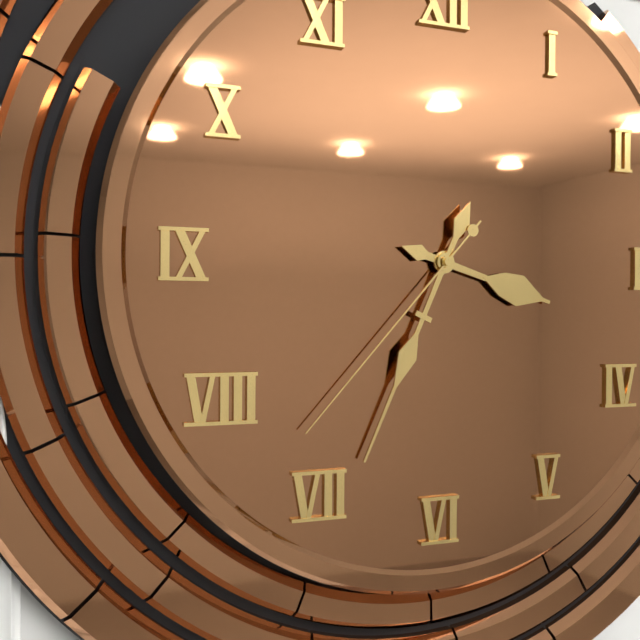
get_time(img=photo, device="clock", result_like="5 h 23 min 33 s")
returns 3 h 34 min 37 s
